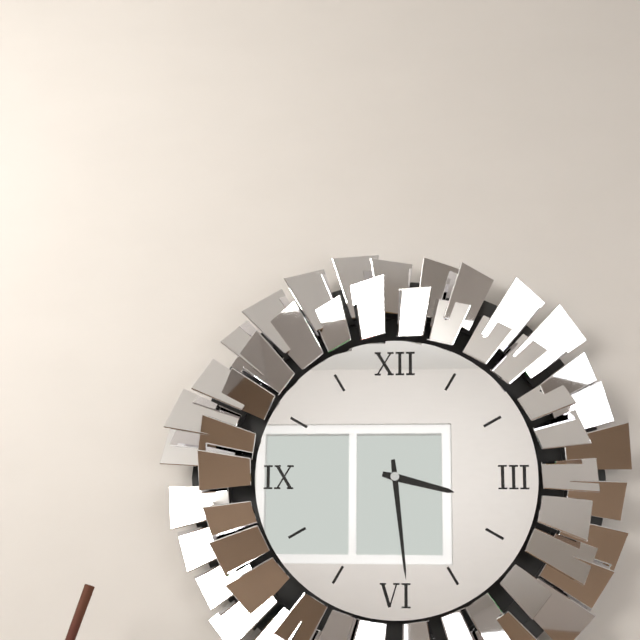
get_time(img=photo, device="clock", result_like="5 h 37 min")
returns 3 h 29 min
